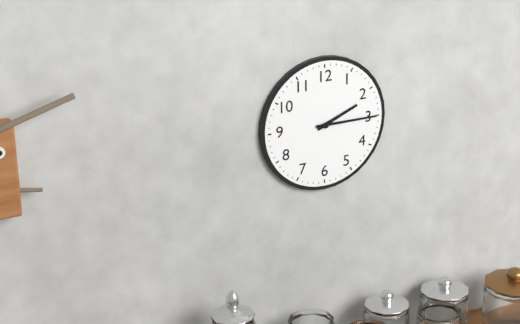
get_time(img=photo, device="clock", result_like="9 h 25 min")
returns 2 h 15 min
